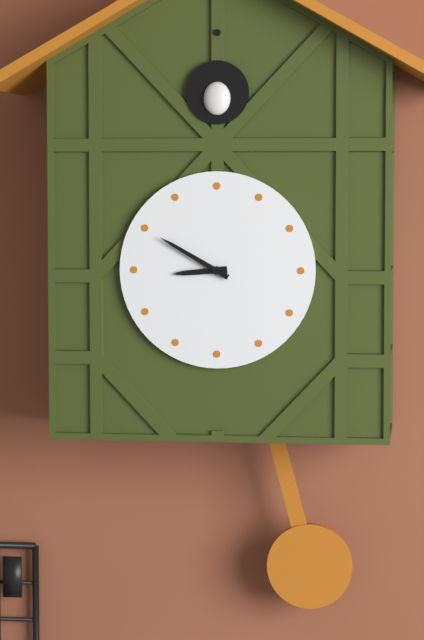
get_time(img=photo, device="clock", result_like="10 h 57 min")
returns 8 h 50 min
